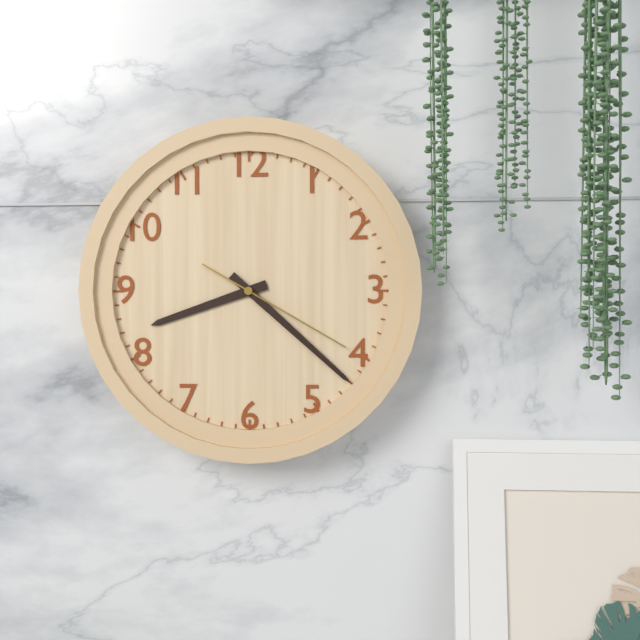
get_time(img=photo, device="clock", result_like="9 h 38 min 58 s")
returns 8 h 22 min 20 s
